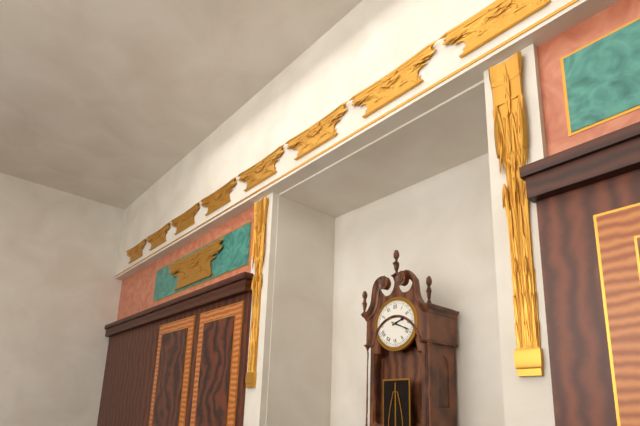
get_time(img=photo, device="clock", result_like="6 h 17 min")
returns 2 h 19 min
